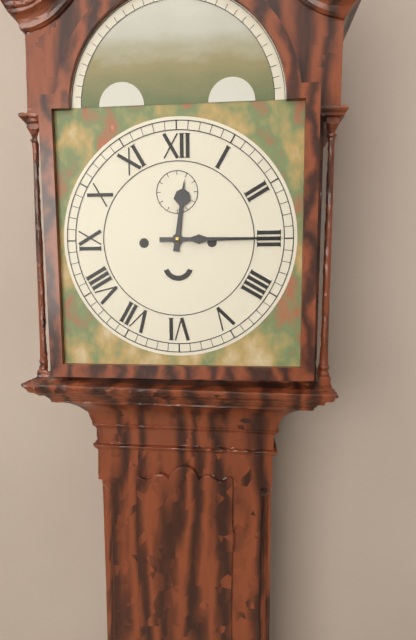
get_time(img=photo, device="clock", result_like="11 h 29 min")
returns 12 h 15 min
